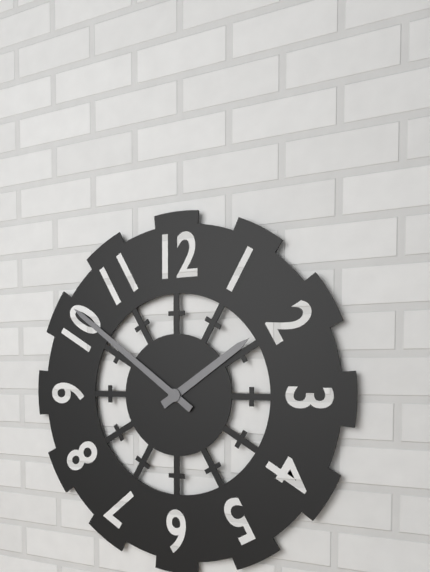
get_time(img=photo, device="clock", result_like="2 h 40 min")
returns 1 h 51 min
